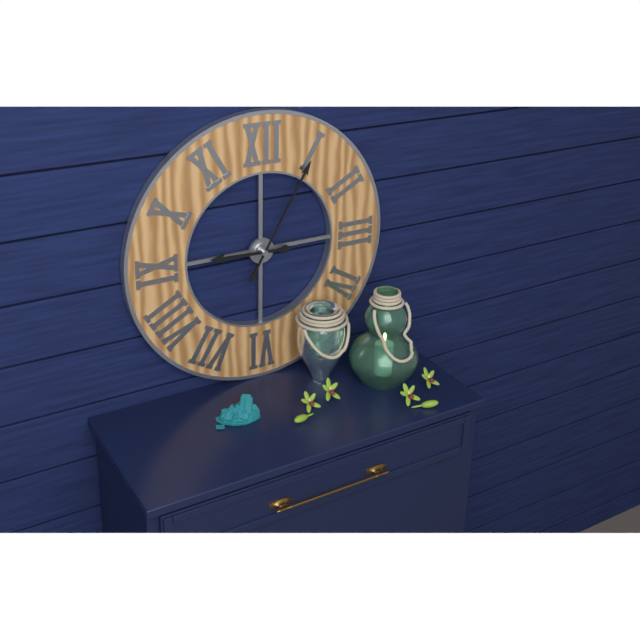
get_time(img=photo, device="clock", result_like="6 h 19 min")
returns 9 h 05 min
